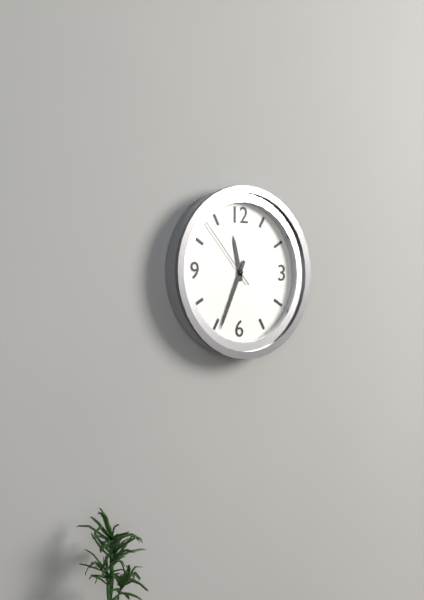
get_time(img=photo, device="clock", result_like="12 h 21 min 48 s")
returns 11 h 34 min 53 s
